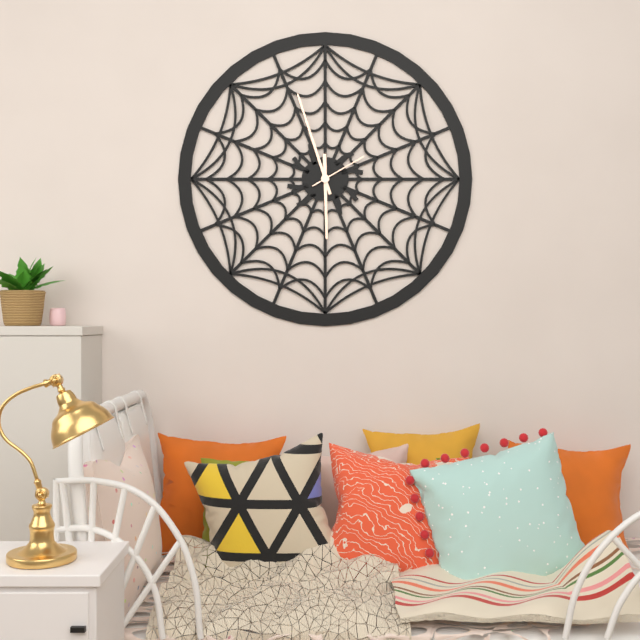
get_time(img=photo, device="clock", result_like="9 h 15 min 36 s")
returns 5 h 57 min 10 s
